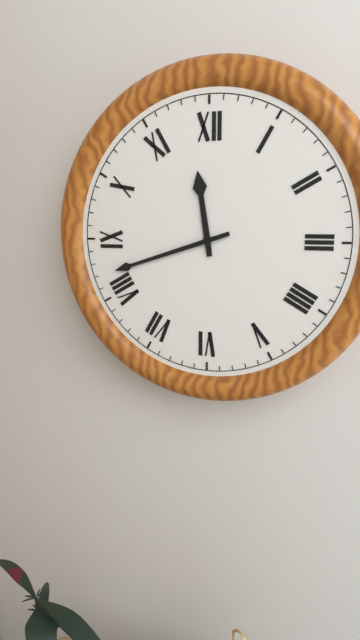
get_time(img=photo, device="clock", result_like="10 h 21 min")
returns 11 h 42 min
